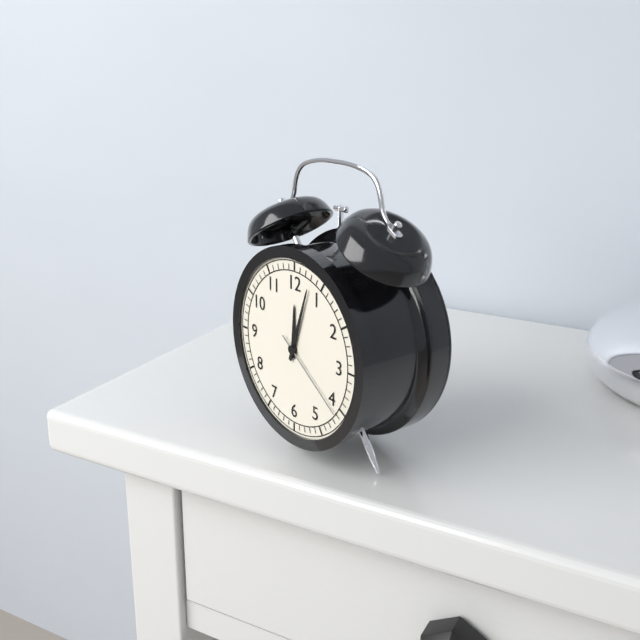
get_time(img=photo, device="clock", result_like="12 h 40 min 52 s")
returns 12 h 03 min 21 s
